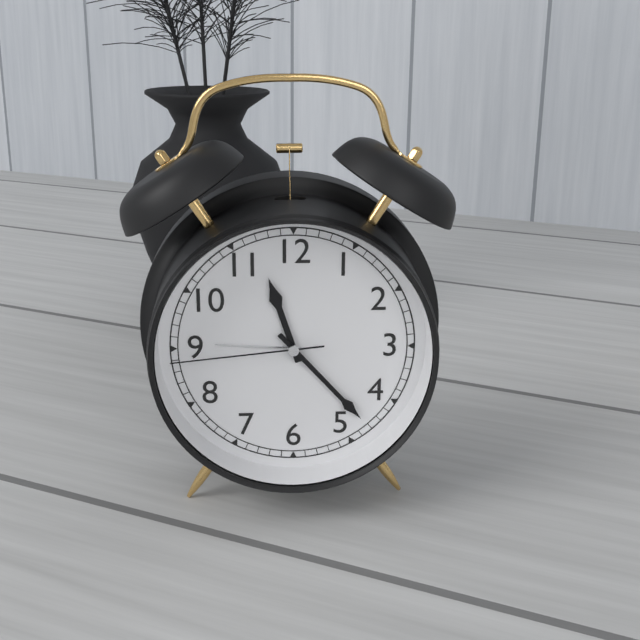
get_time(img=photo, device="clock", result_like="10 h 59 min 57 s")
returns 11 h 23 min 44 s
